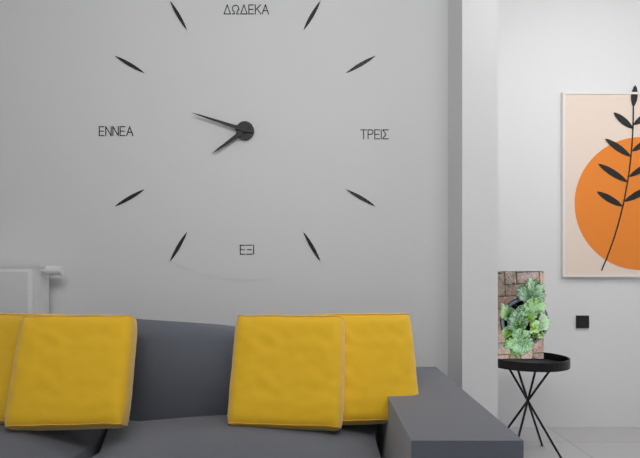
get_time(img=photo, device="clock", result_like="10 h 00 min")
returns 7 h 48 min
